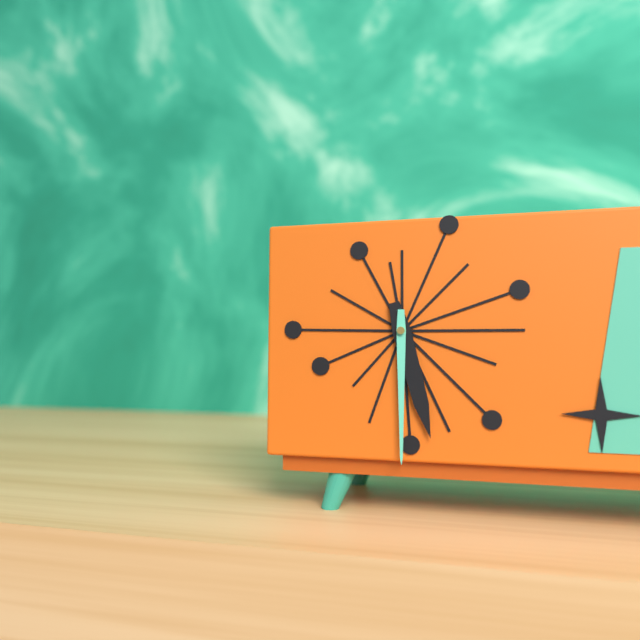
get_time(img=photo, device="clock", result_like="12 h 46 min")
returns 5 h 30 min
